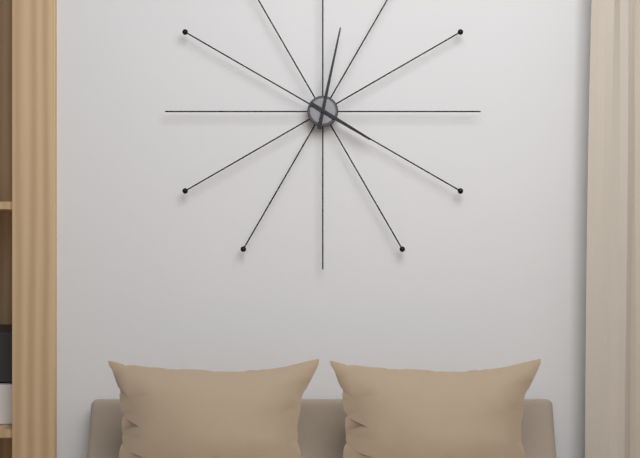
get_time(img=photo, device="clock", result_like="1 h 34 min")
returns 4 h 02 min
